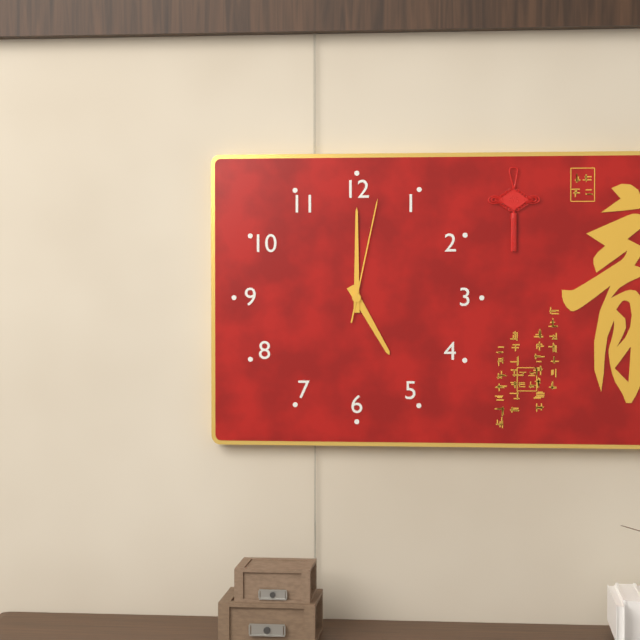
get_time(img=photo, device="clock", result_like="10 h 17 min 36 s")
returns 5 h 00 min 02 s
